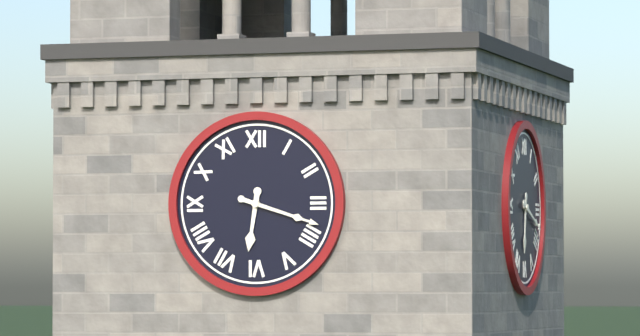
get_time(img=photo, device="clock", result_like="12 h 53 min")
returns 6 h 18 min
